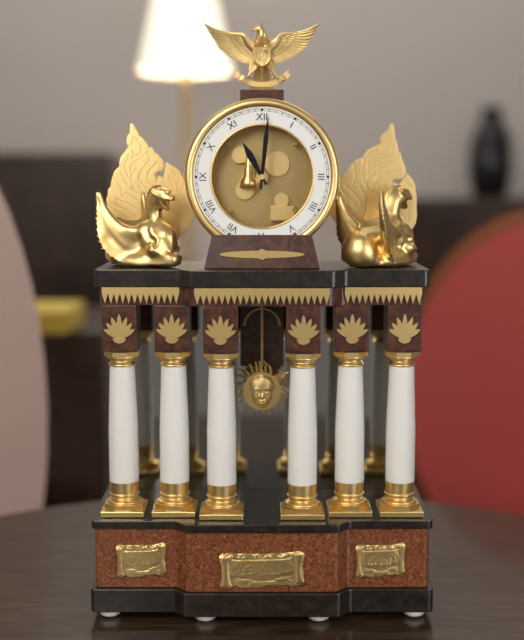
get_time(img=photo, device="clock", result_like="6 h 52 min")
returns 11 h 01 min
